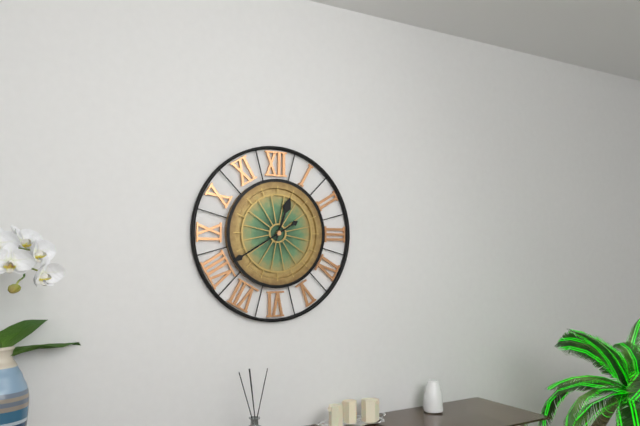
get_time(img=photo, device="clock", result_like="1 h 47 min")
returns 12 h 40 min
